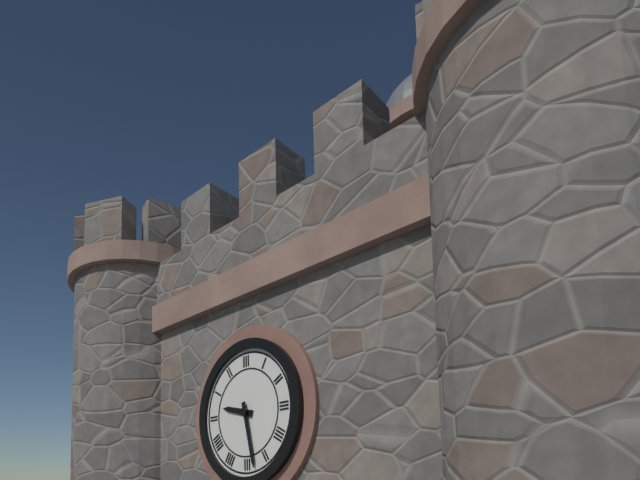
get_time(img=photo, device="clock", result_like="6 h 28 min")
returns 9 h 28 min
